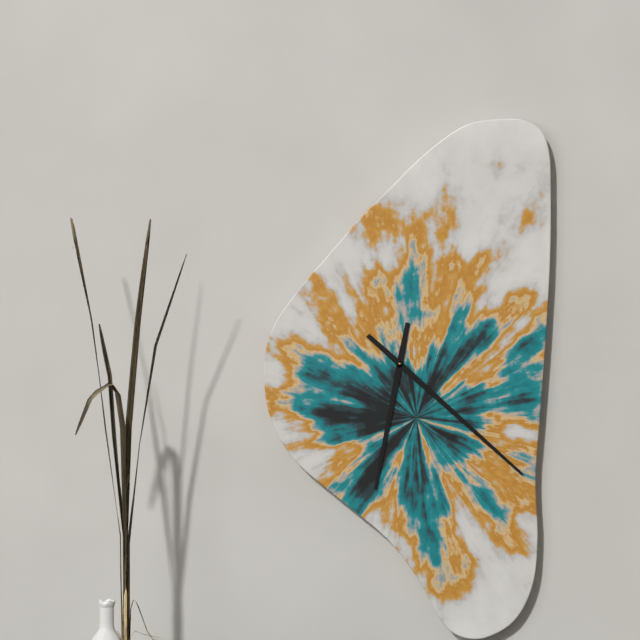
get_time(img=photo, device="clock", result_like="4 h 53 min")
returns 6 h 22 min
